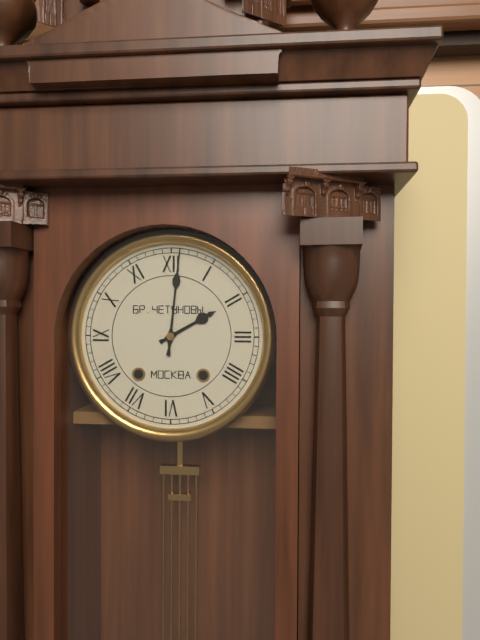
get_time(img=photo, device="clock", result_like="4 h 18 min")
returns 2 h 01 min
